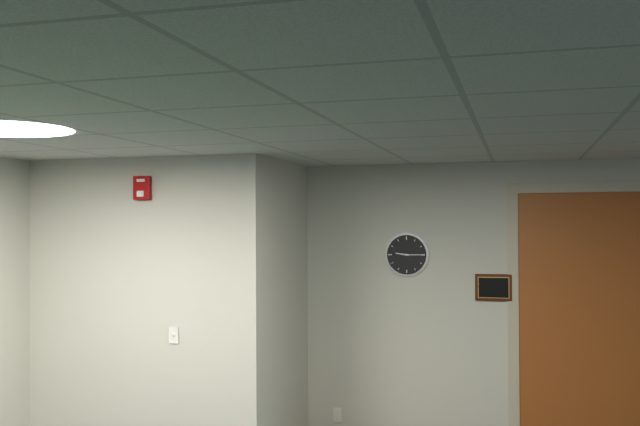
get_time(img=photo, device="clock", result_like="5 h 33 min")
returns 9 h 15 min
